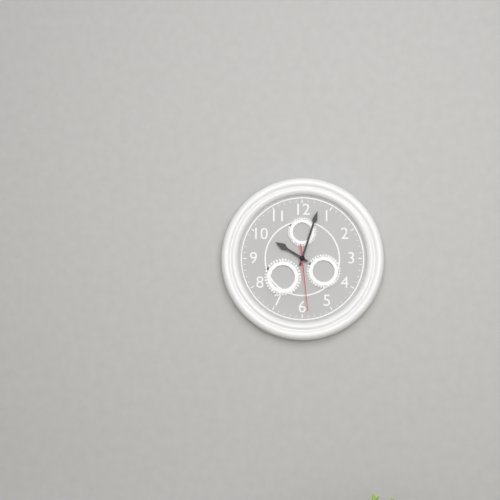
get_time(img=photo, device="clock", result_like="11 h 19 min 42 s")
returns 10 h 03 min 29 s
